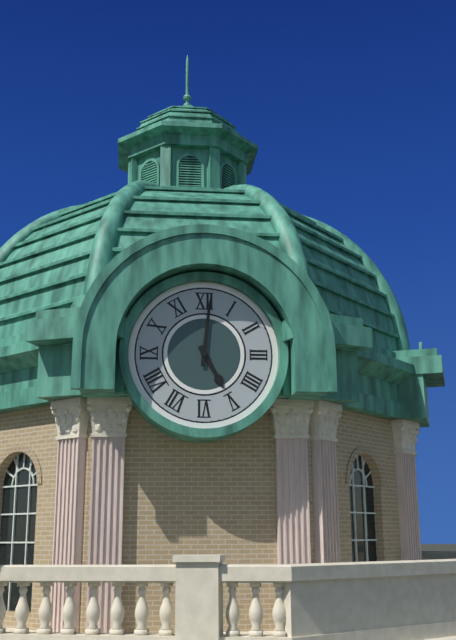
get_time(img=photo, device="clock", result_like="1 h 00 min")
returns 5 h 01 min
